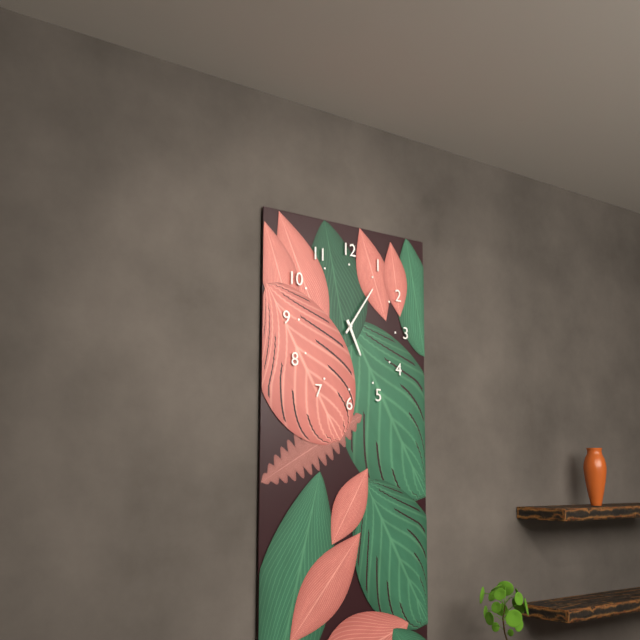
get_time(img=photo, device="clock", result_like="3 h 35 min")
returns 5 h 06 min
